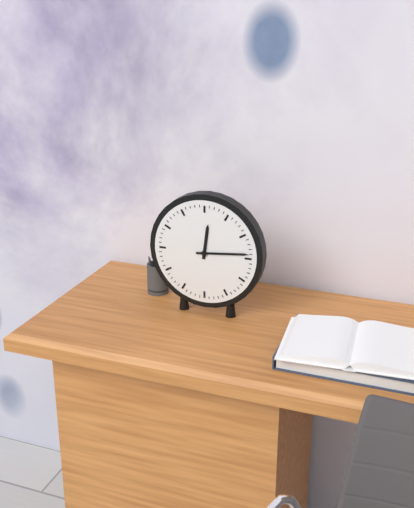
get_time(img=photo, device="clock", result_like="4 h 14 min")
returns 12 h 14 min
